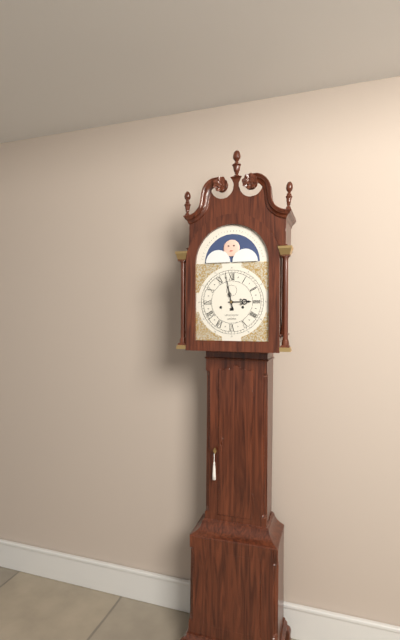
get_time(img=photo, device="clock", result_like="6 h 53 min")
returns 2 h 58 min
